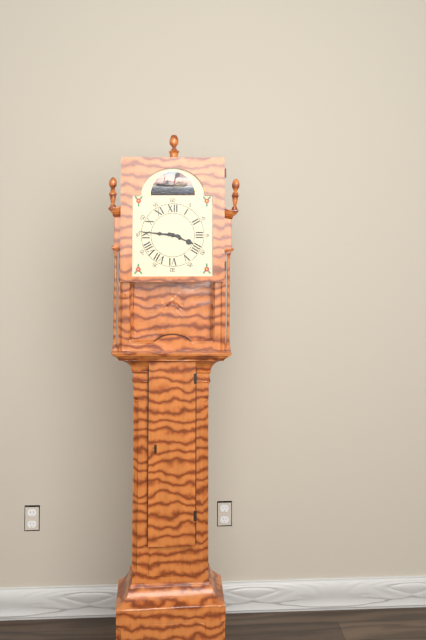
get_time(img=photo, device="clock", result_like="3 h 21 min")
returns 3 h 46 min
